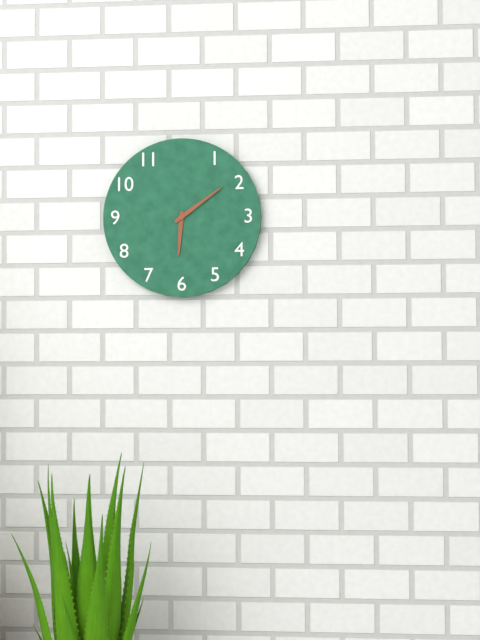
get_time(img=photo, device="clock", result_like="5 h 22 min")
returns 6 h 09 min
